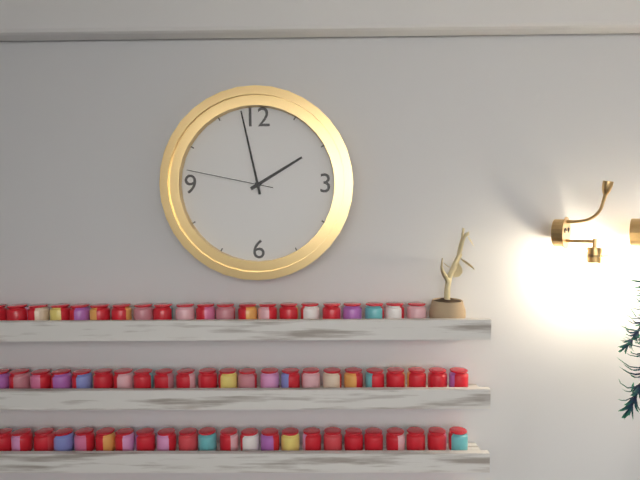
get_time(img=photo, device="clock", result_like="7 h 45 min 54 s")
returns 1 h 58 min 47 s
